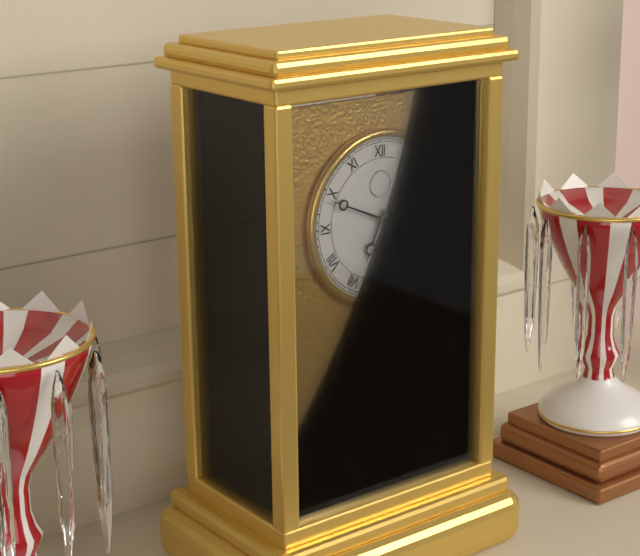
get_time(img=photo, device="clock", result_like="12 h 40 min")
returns 6 h 49 min
